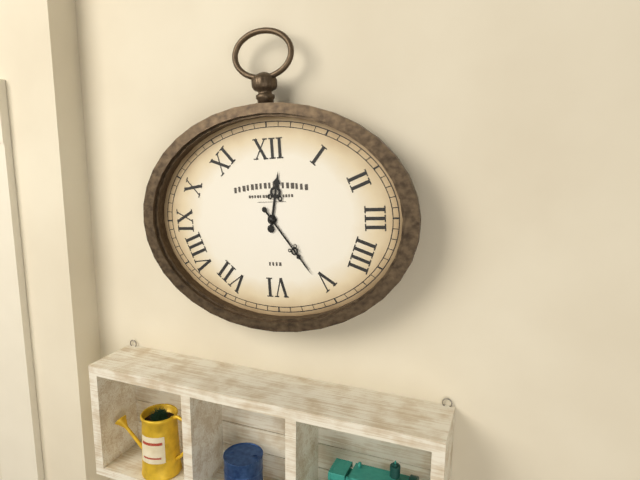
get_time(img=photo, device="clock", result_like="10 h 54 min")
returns 12 h 24 min
